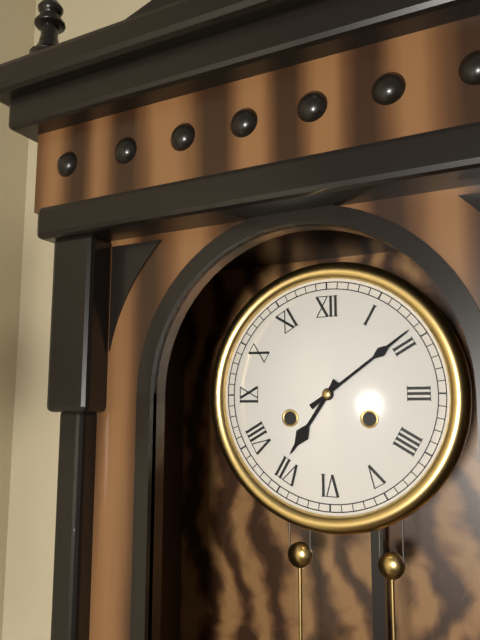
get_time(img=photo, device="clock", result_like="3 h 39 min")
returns 7 h 09 min
